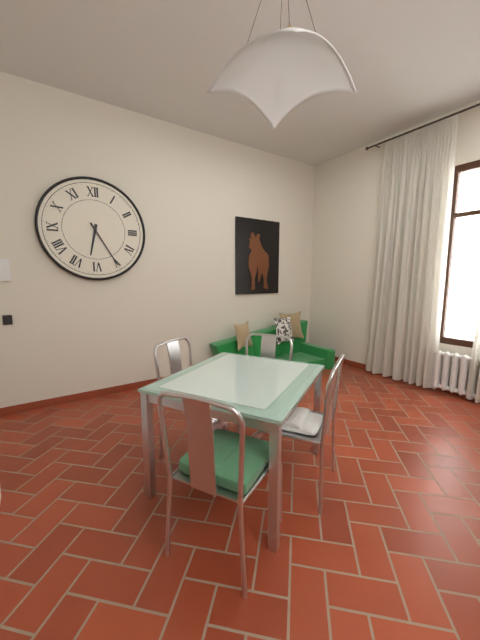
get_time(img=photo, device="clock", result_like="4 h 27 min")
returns 6 h 25 min
